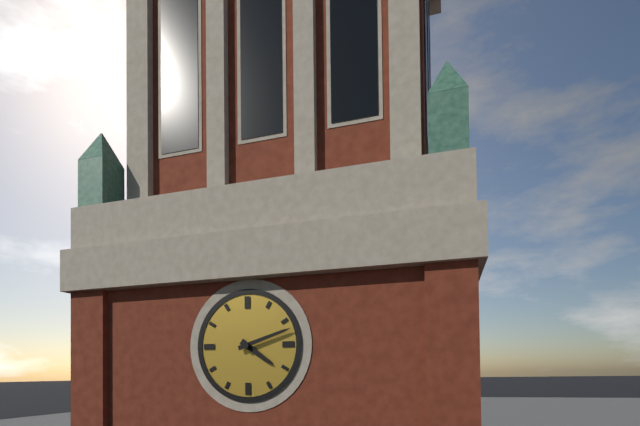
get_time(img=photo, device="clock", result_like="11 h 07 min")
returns 4 h 12 min
